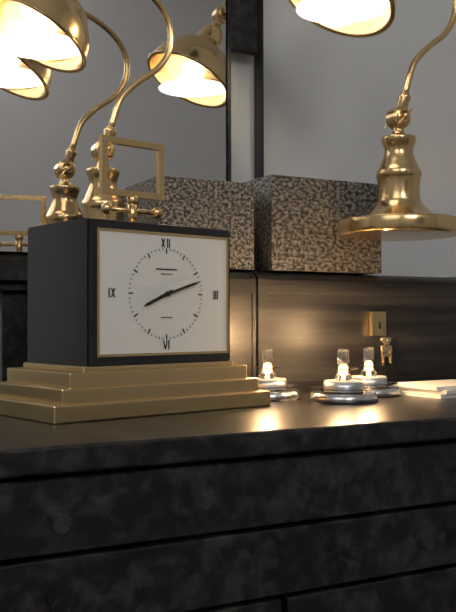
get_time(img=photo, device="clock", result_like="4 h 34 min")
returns 8 h 12 min
